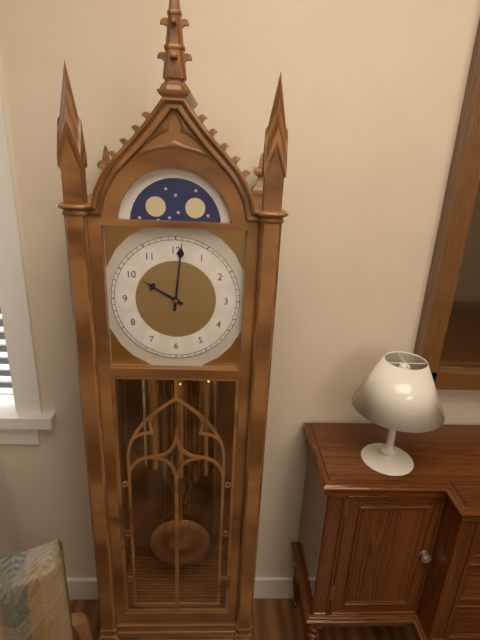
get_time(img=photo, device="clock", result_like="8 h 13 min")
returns 10 h 01 min
